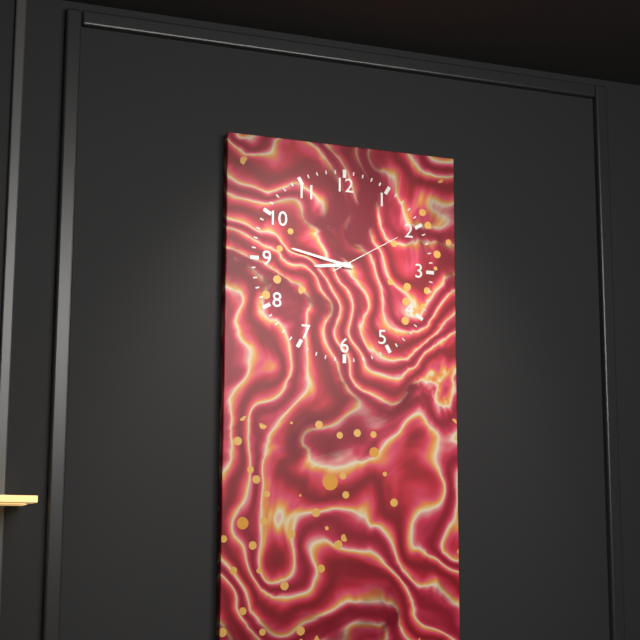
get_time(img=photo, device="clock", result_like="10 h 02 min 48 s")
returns 8 h 47 min 10 s
